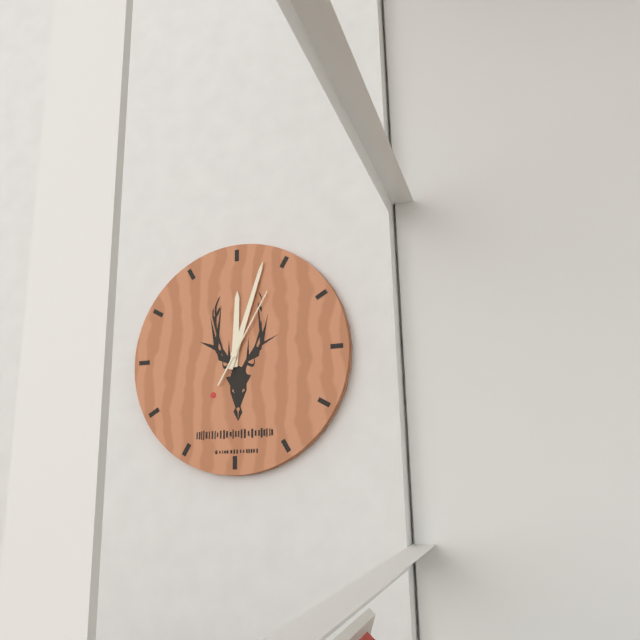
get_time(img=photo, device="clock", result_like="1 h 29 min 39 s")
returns 12 h 03 min 05 s
